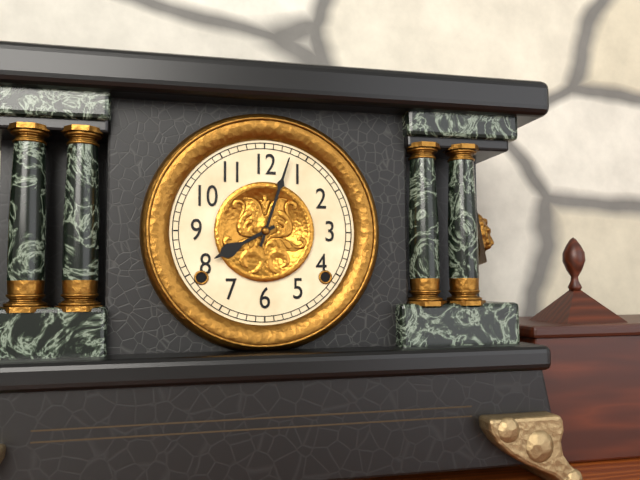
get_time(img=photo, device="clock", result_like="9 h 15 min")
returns 8 h 03 min
